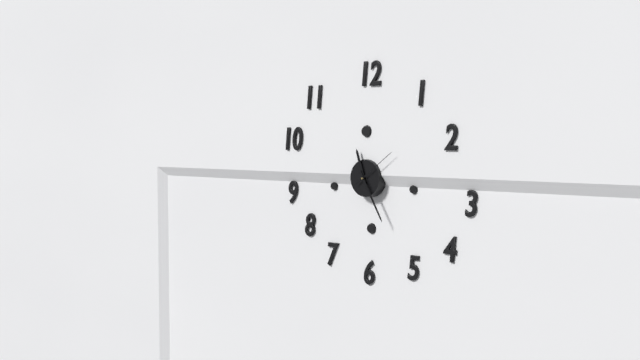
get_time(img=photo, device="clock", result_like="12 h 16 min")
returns 11 h 25 min
